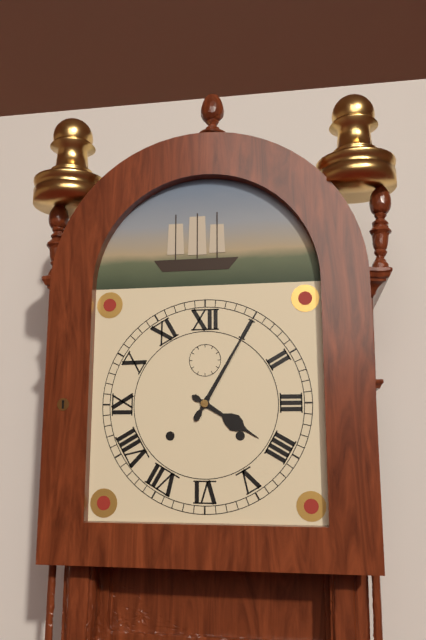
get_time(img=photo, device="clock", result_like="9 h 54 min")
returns 4 h 05 min
